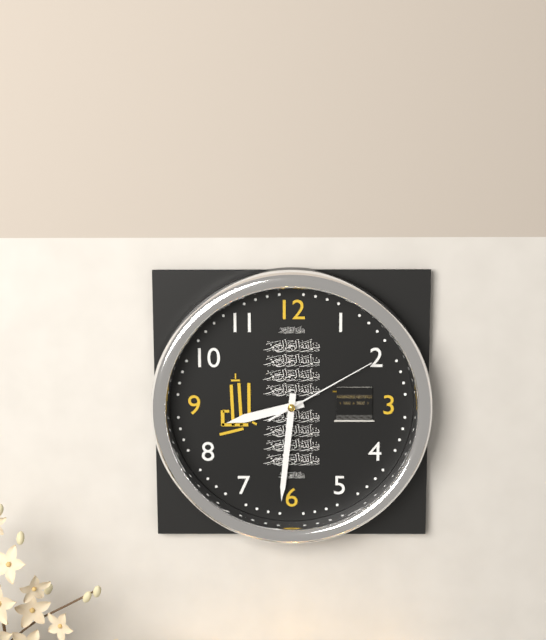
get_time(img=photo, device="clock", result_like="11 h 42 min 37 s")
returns 8 h 31 min 10 s
